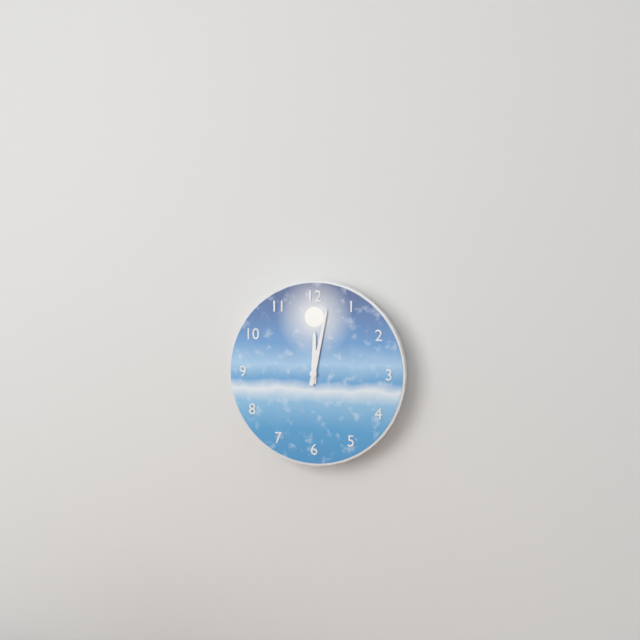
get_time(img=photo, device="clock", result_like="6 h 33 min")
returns 12 h 02 min
